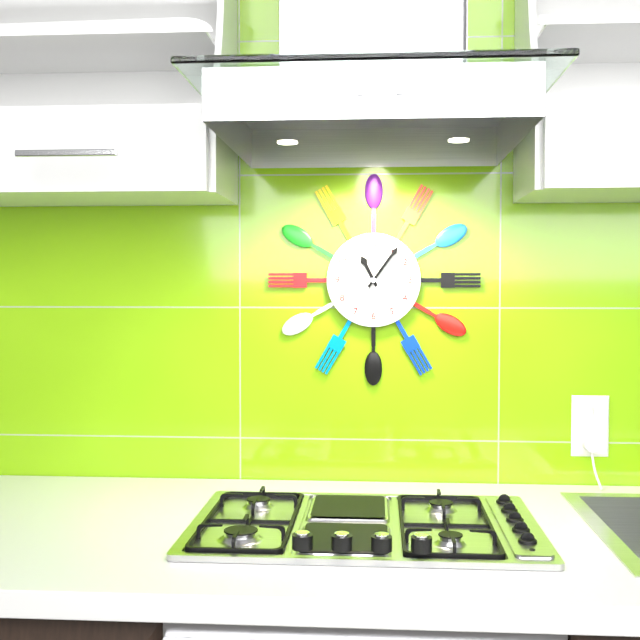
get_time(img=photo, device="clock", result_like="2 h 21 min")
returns 11 h 06 min
